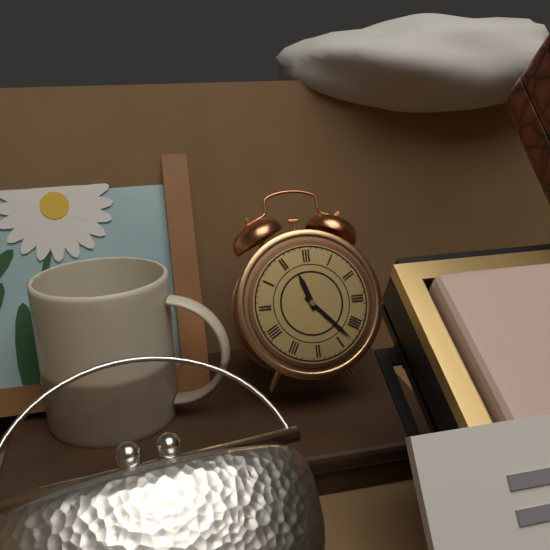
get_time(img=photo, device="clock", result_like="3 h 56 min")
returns 11 h 23 min
